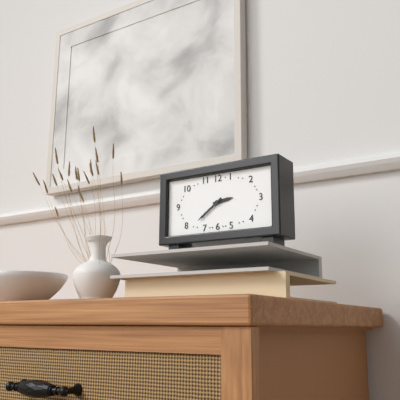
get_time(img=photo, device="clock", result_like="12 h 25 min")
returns 2 h 39 min
